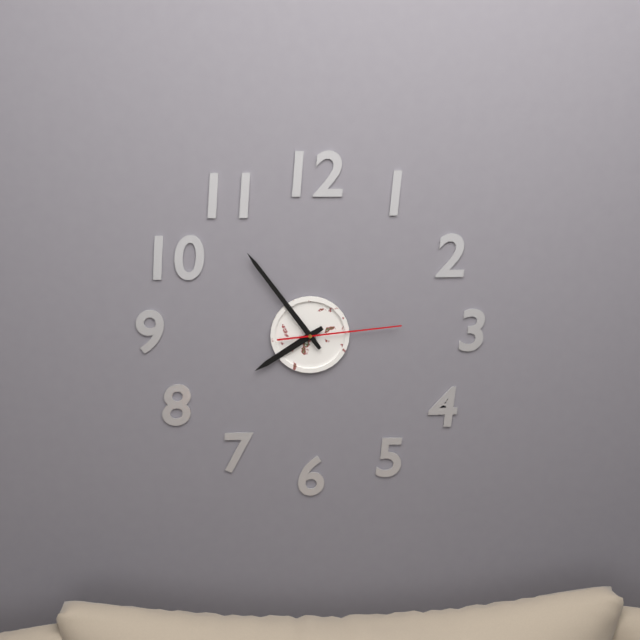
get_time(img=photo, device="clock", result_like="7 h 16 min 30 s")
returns 7 h 54 min 14 s
